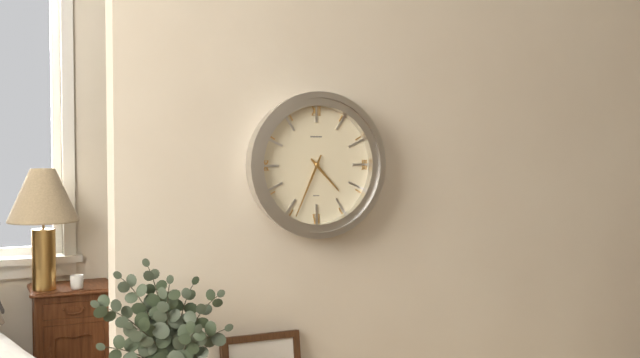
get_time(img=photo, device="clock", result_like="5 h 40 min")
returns 4 h 34 min
